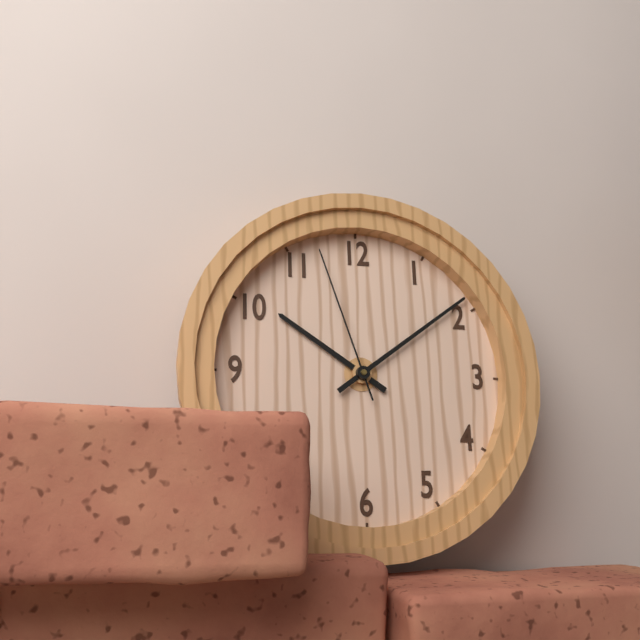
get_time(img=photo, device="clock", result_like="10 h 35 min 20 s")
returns 10 h 09 min 57 s
